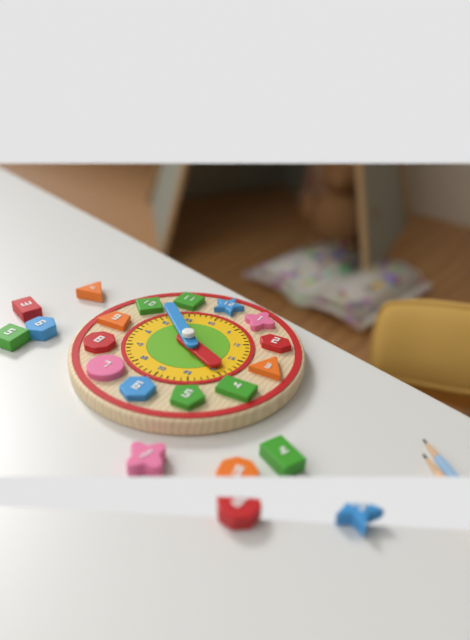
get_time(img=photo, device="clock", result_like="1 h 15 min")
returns 3 h 52 min
